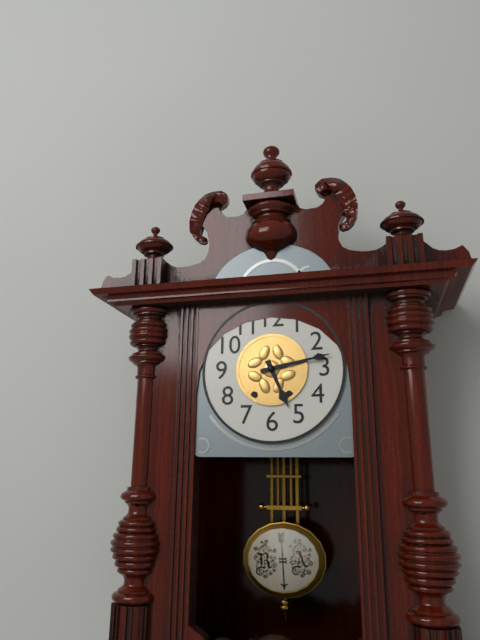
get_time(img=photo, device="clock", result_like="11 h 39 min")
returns 5 h 13 min
